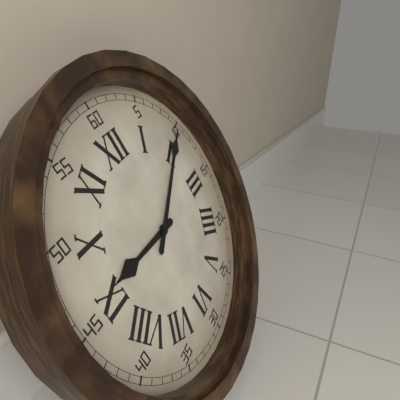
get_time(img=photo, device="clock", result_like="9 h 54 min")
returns 9 h 10 min
